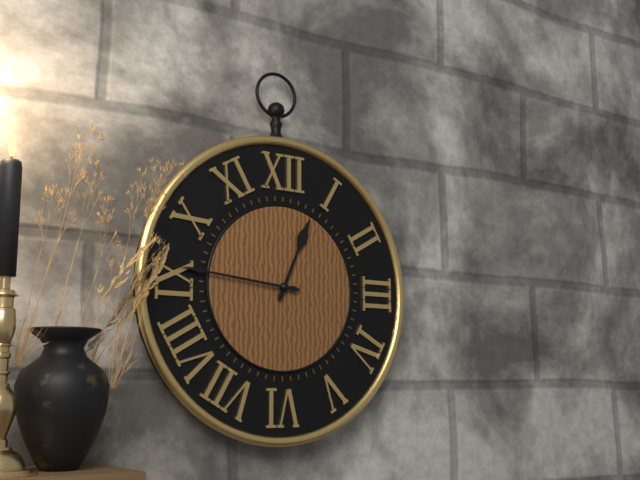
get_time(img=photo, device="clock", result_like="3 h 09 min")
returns 12 h 46 min
